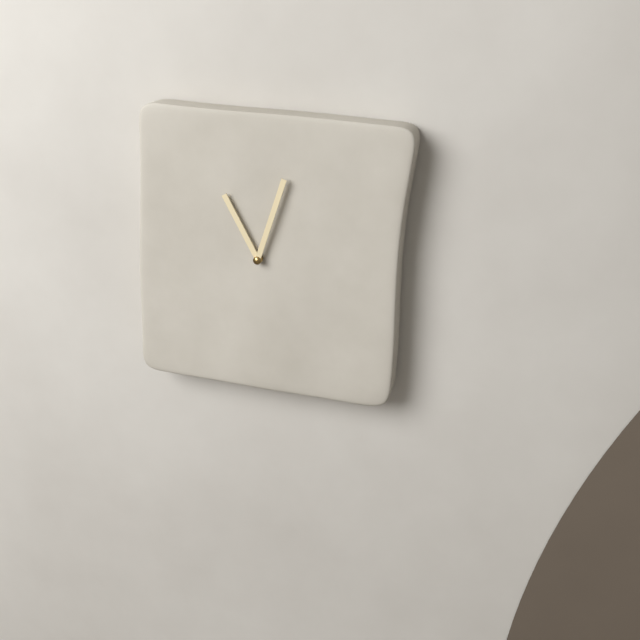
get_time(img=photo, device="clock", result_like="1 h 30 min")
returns 11 h 03 min
